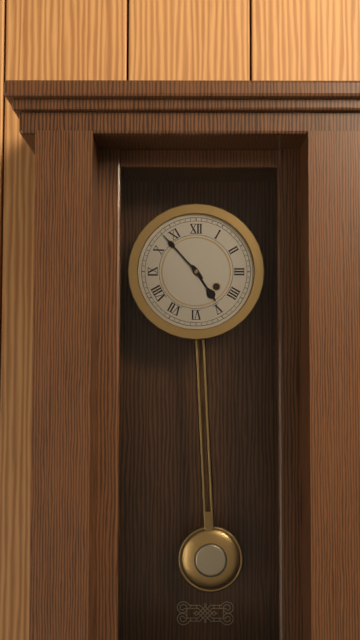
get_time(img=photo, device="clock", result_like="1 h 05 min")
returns 4 h 53 min
